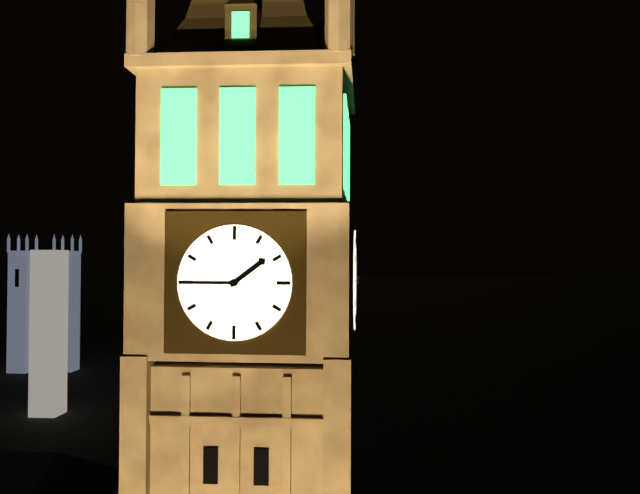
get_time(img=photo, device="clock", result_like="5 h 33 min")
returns 1 h 45 min
